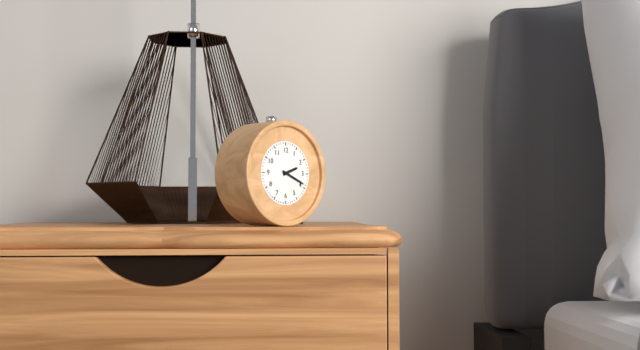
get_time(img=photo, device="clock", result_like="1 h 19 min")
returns 2 h 19 min
